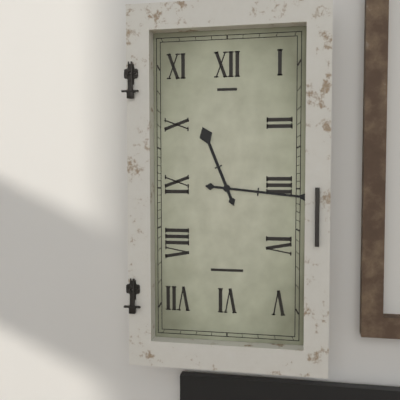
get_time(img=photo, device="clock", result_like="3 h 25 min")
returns 11 h 16 min
